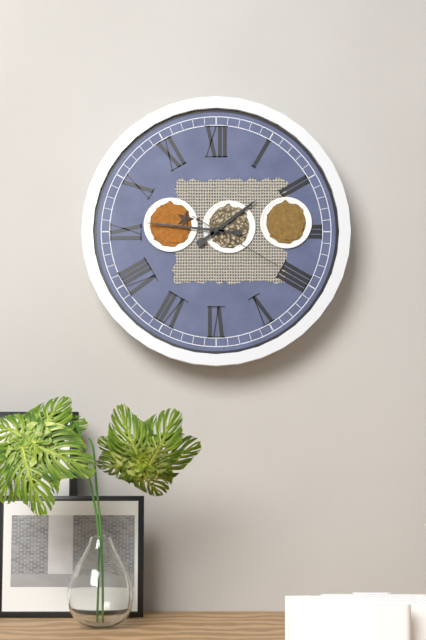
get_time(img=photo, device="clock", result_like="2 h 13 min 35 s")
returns 1 h 46 min 20 s
